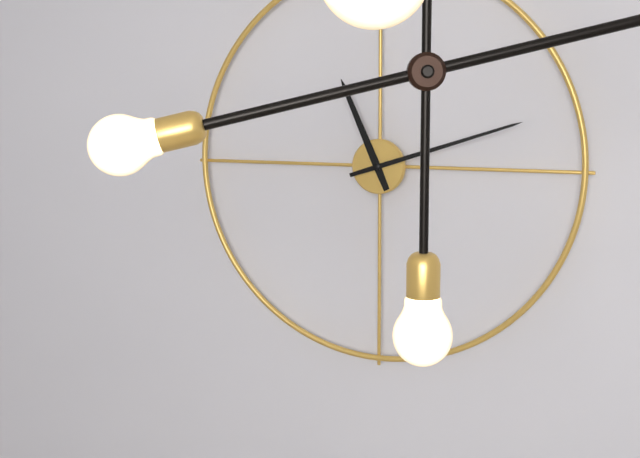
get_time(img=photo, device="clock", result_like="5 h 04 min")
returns 11 h 12 min
